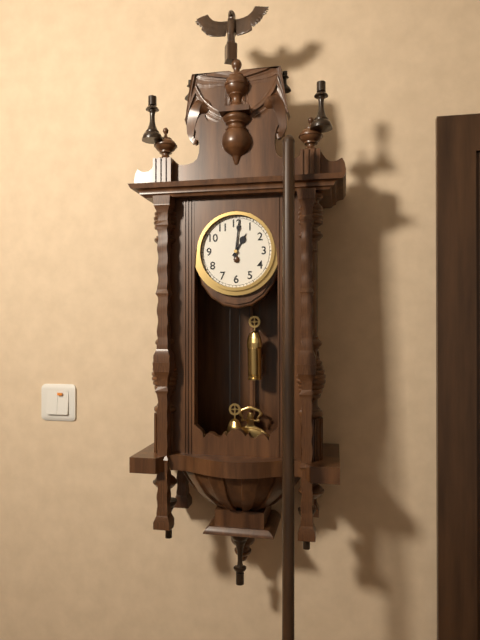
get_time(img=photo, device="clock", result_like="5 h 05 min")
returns 1 h 01 min
